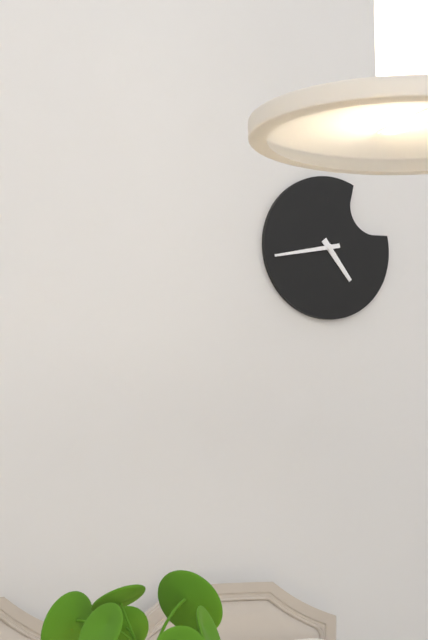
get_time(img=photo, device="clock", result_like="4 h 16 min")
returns 4 h 43 min
